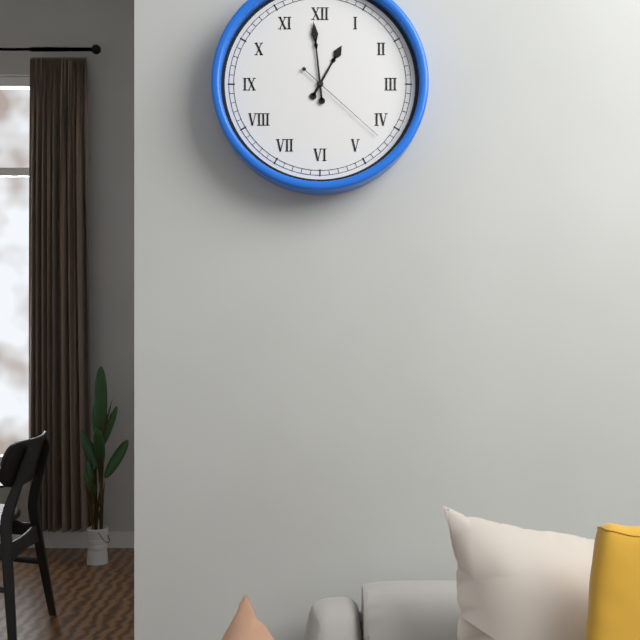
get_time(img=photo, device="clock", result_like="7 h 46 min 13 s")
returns 12 h 59 min 22 s
